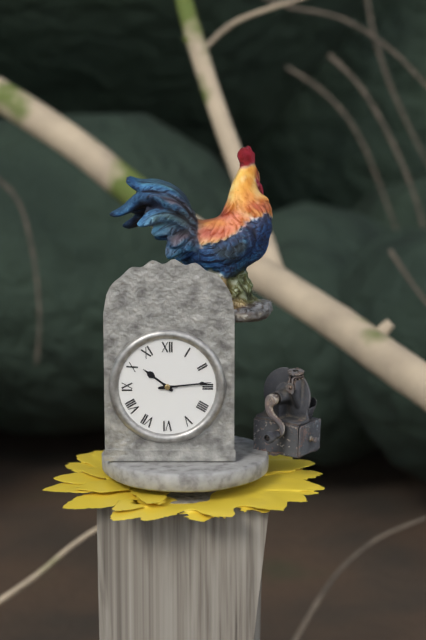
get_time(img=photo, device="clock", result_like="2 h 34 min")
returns 10 h 14 min
